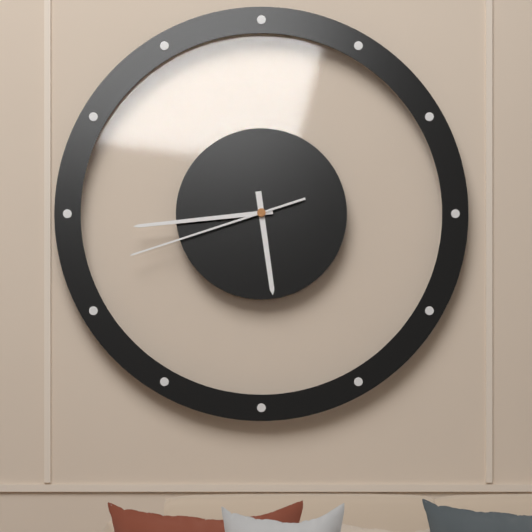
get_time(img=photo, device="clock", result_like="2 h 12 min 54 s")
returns 5 h 44 min 42 s
